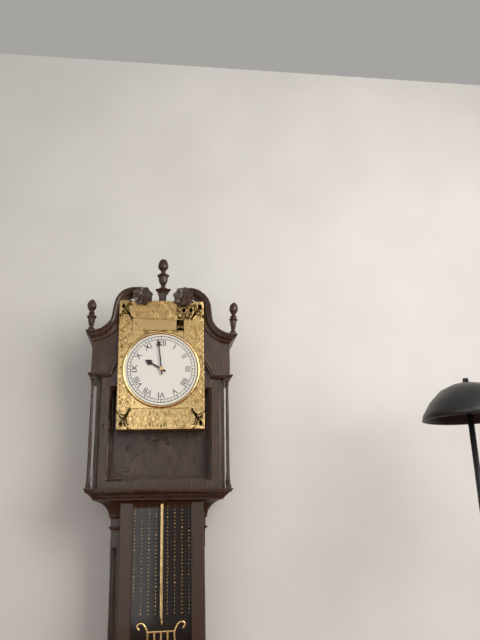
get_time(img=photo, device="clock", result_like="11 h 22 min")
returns 9 h 59 min
